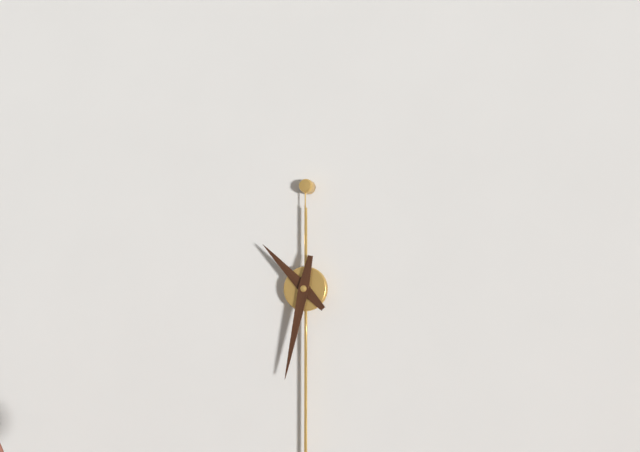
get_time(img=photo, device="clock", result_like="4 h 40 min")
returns 10 h 32 min
